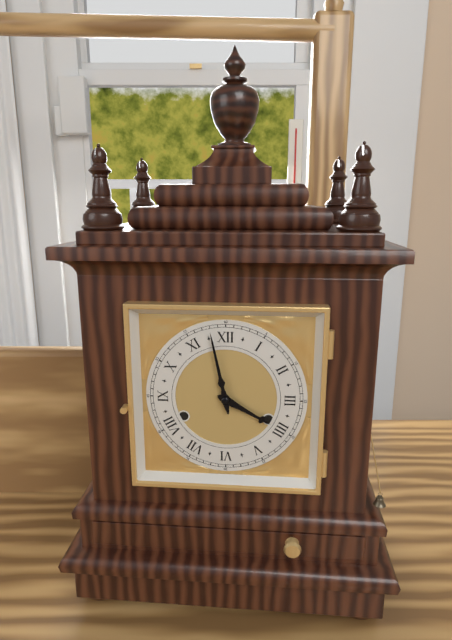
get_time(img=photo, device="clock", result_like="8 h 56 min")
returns 3 h 58 min
